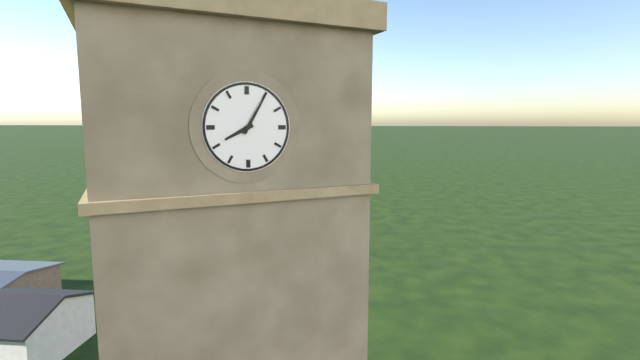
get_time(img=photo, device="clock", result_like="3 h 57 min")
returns 8 h 05 min
